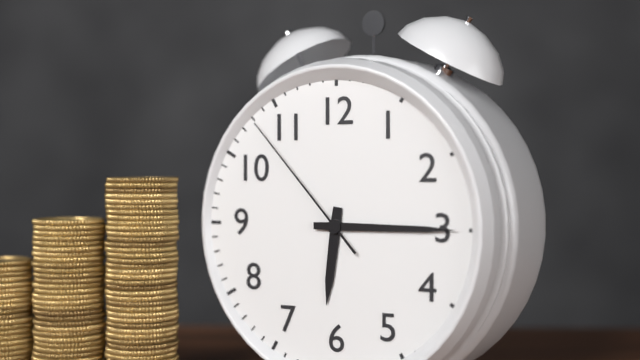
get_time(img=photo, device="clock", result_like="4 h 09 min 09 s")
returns 6 h 15 min 53 s
